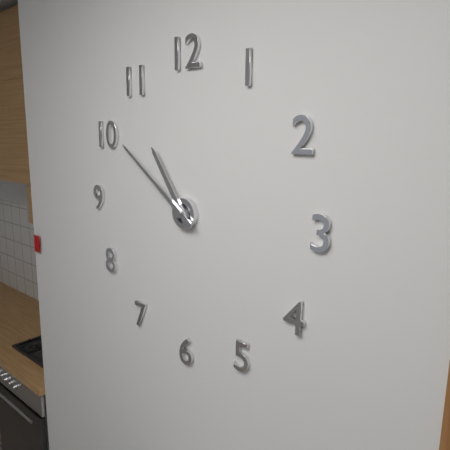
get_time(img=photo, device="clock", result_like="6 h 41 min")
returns 10 h 51 min
